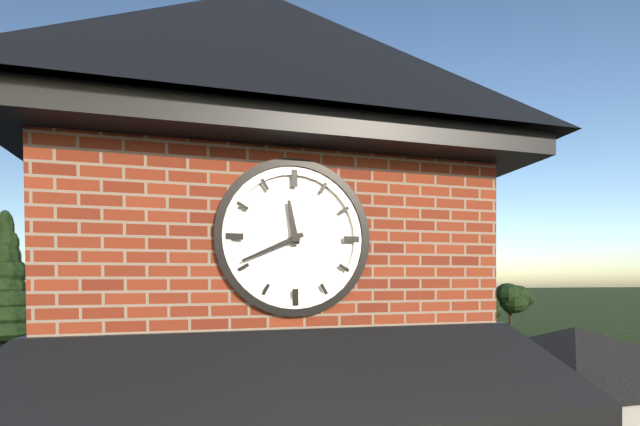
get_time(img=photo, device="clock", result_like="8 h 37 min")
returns 11 h 41 min
